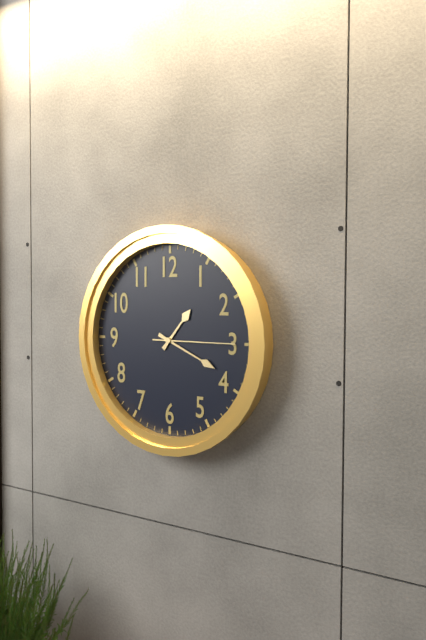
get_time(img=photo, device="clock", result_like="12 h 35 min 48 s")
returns 1 h 19 min 15 s
